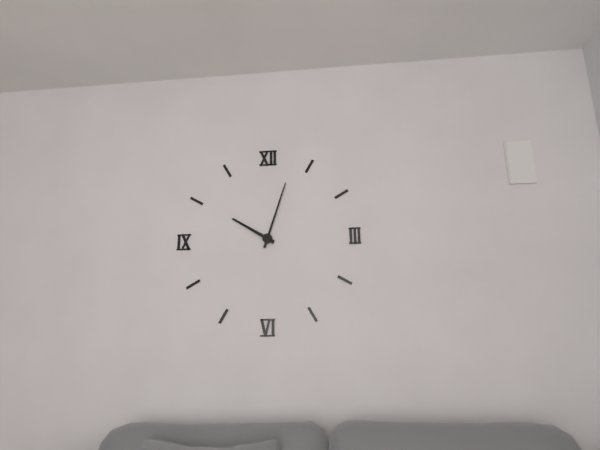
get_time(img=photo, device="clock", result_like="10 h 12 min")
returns 10 h 03 min
